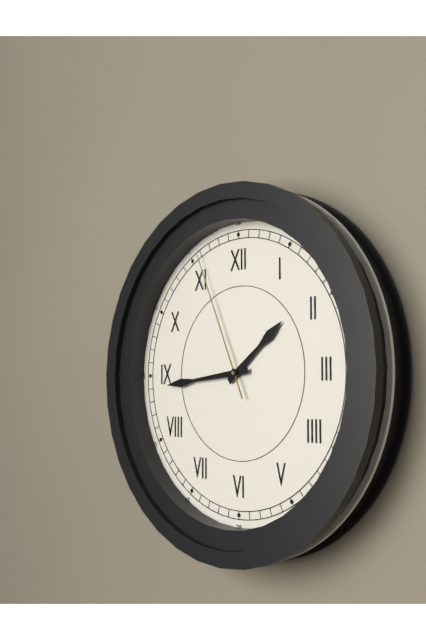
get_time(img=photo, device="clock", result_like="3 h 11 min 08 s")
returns 1 h 44 min 56 s
